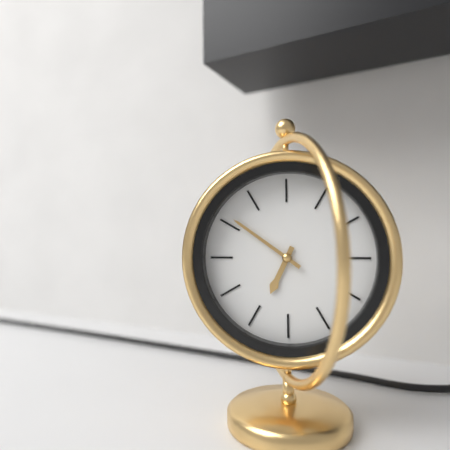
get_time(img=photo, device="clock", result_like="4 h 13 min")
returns 6 h 51 min
